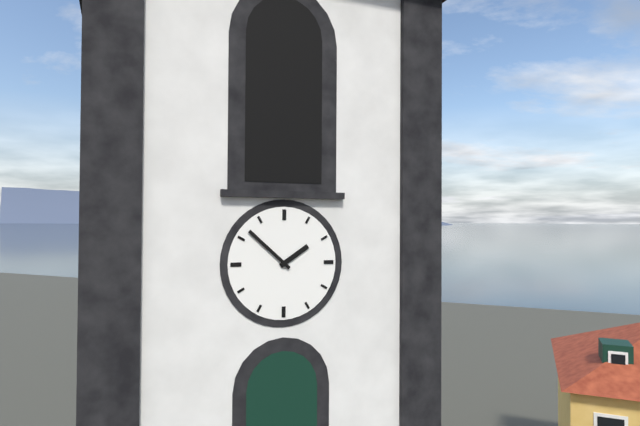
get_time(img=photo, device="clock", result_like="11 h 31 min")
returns 1 h 52 min
